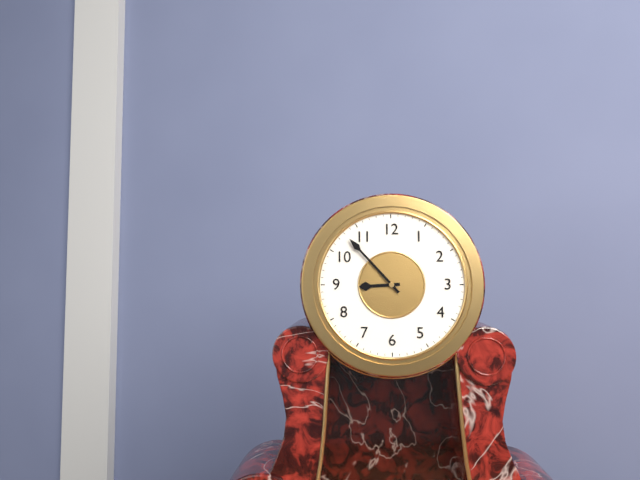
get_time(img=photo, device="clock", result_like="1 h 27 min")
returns 8 h 53 min
